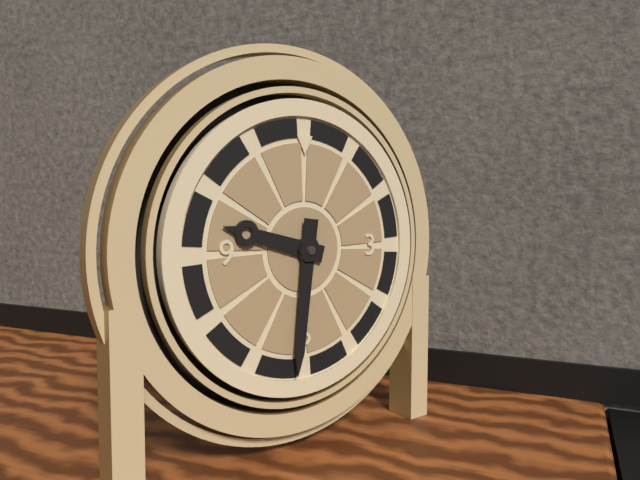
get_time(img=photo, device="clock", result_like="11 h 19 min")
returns 9 h 31 min
